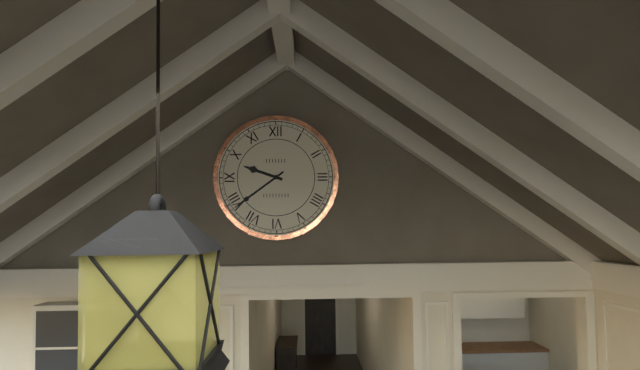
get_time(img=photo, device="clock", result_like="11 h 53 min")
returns 9 h 39 min
